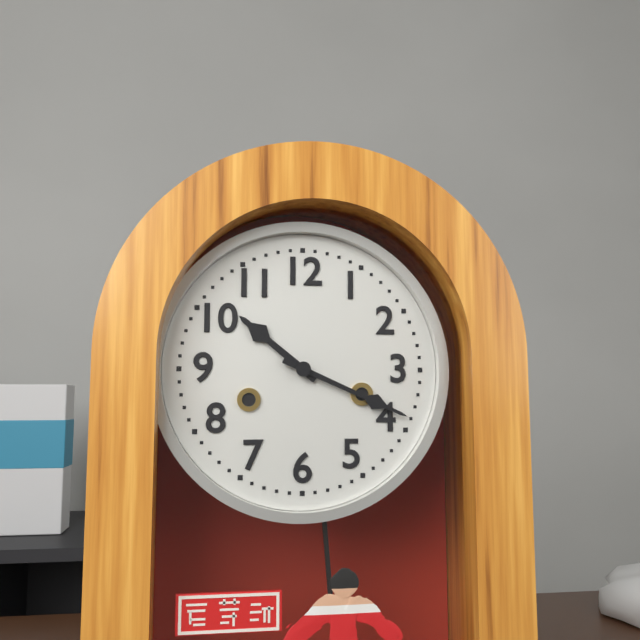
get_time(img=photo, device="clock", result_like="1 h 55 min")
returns 10 h 19 min
